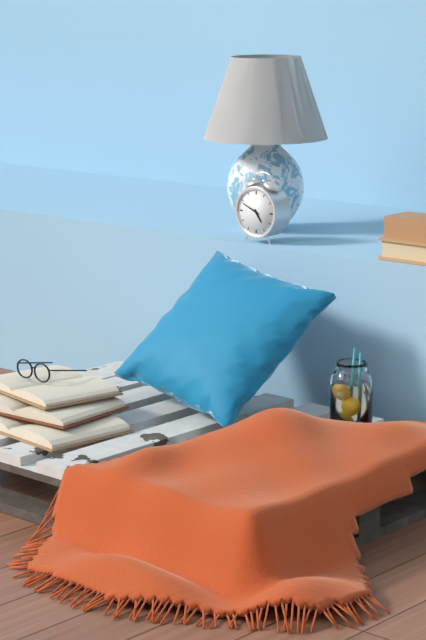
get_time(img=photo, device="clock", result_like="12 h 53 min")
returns 4 h 49 min
